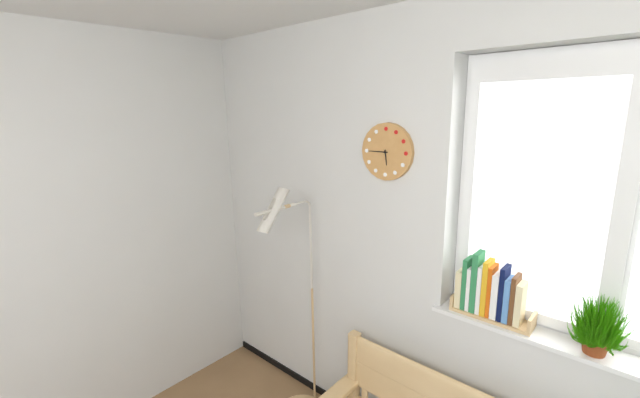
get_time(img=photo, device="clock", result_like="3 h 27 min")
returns 5 h 45 min
